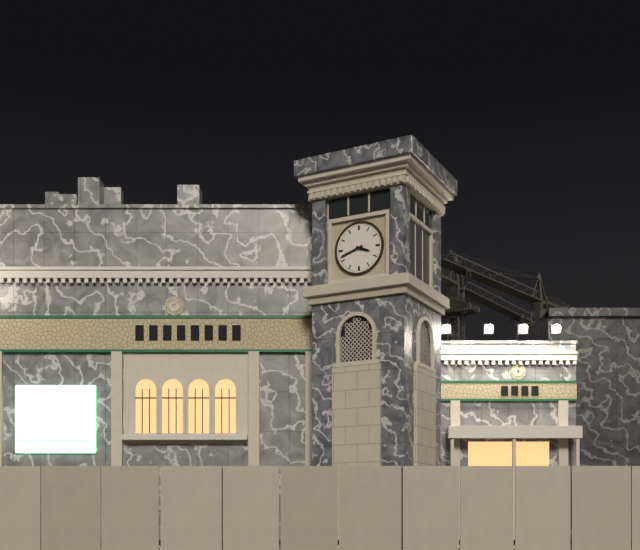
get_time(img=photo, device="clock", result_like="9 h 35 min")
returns 3 h 42 min
